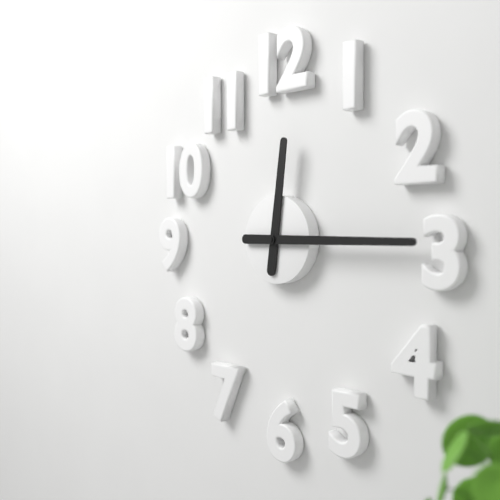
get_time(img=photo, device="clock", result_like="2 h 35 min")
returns 12 h 15 min
